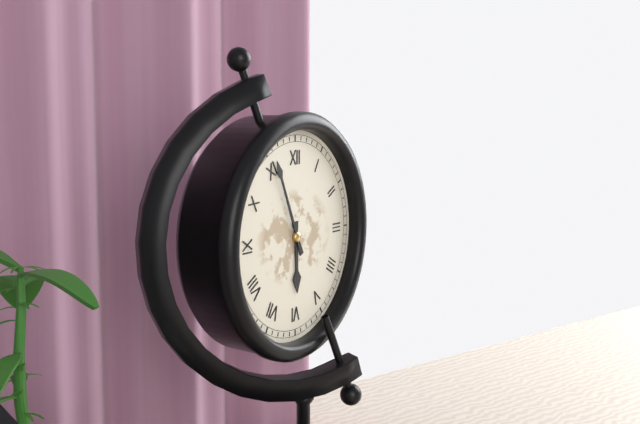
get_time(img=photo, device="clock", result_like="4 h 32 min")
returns 5 h 56 min
